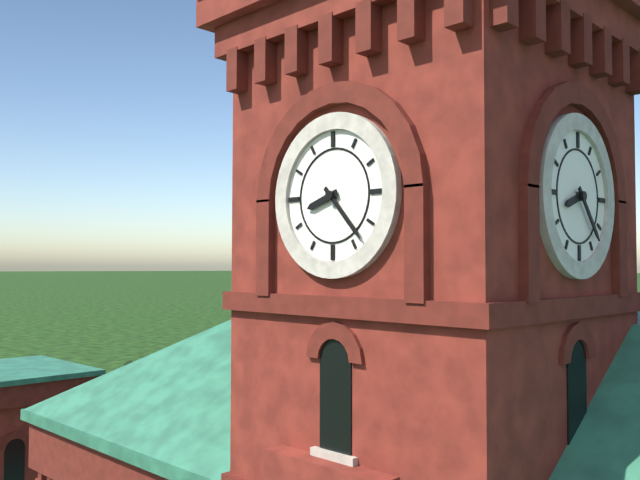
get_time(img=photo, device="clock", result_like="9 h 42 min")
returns 8 h 23 min
